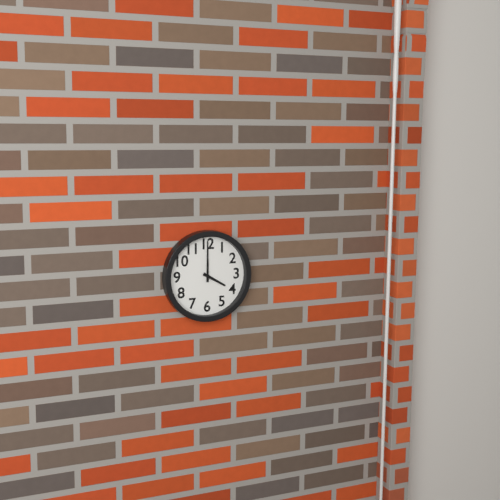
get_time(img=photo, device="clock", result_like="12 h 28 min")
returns 4 h 00 min
